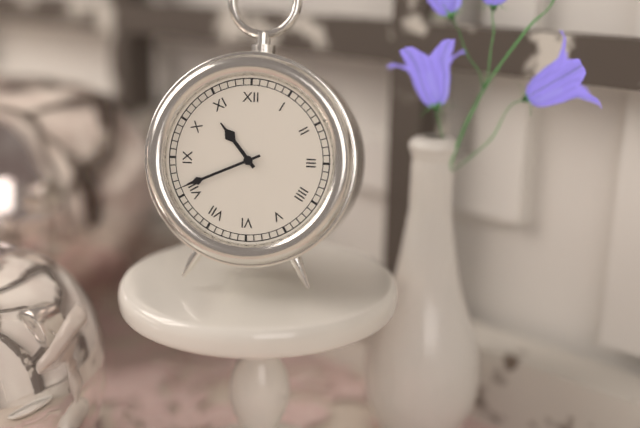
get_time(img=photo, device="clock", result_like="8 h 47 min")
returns 10 h 41 min
